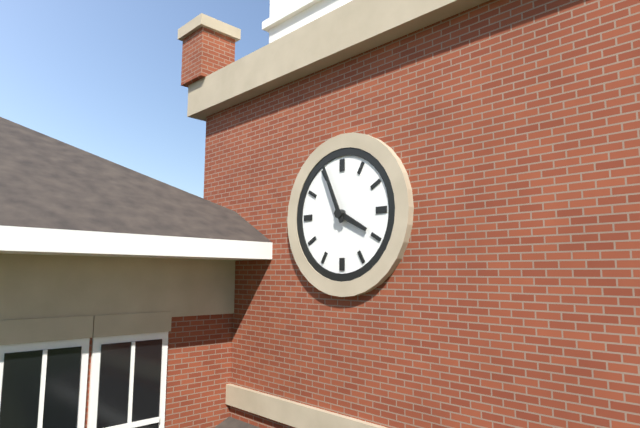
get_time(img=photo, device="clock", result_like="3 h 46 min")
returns 3 h 56 min
